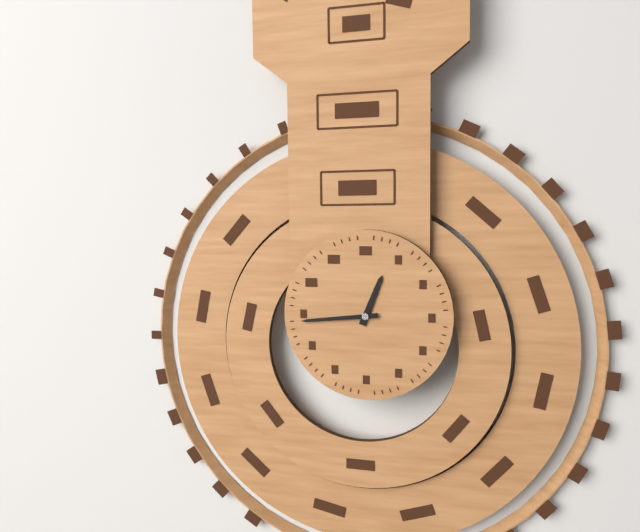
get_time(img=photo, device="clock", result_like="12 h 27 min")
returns 12 h 44 min
